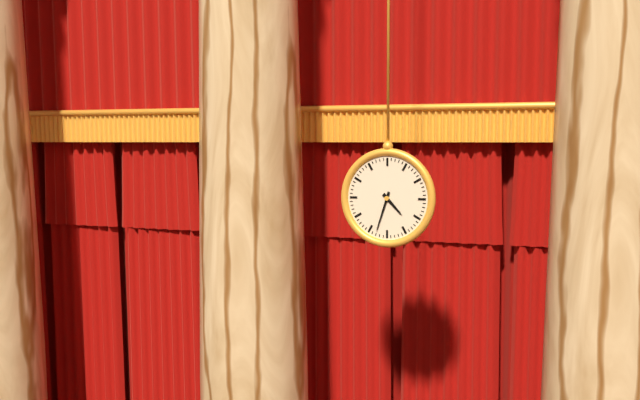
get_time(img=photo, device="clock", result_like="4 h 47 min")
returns 4 h 33 min
